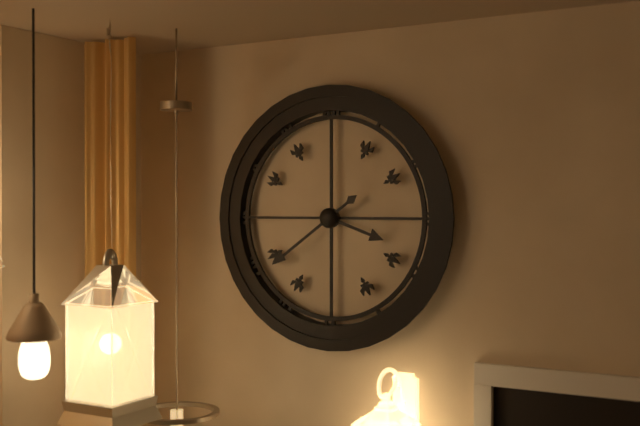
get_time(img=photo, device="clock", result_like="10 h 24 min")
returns 3 h 39 min
